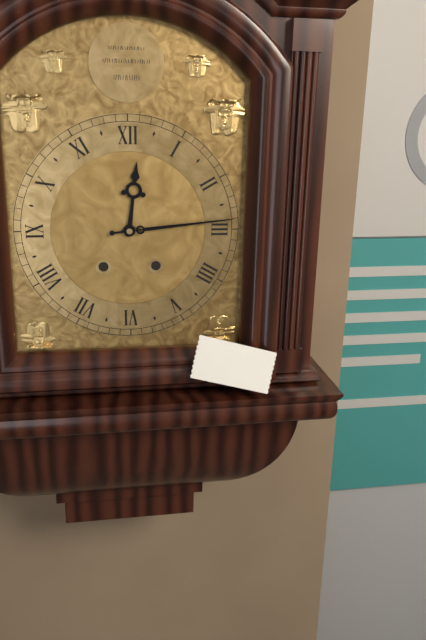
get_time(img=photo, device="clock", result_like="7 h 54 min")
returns 12 h 14 min
